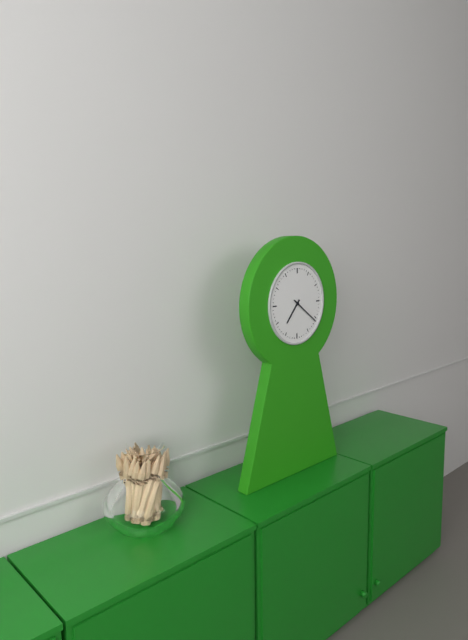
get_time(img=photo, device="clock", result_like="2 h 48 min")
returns 7 h 21 min
